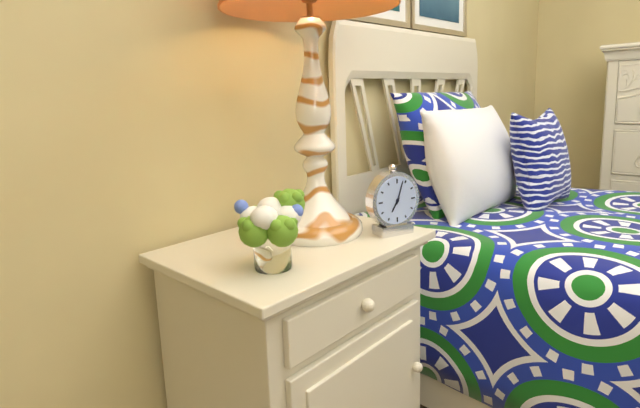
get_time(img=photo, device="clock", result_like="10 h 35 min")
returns 7 h 03 min
